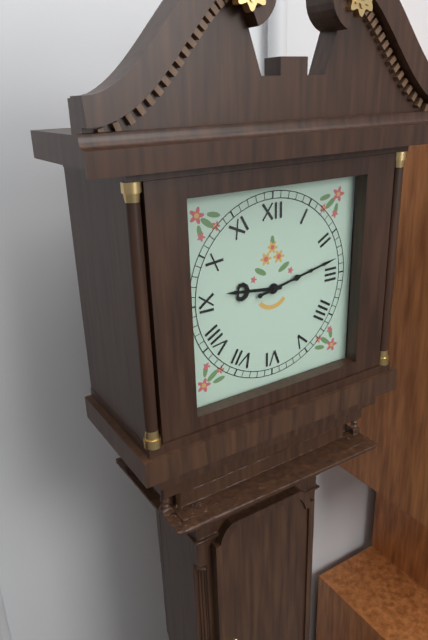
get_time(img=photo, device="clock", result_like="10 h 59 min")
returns 9 h 13 min
